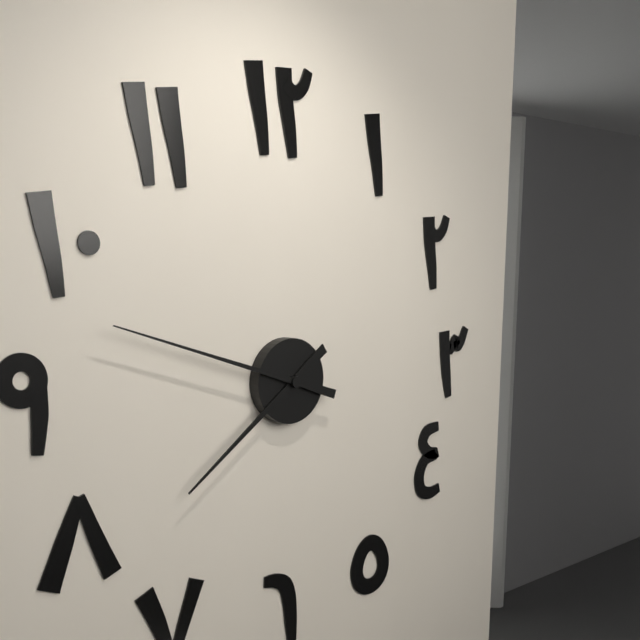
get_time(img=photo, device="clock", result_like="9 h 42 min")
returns 7 h 48 min
